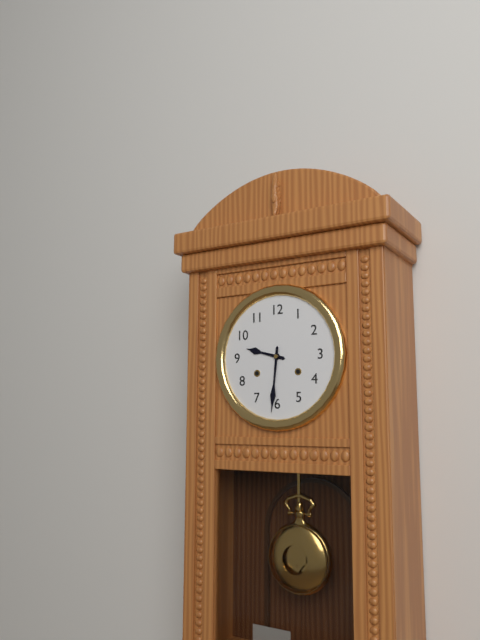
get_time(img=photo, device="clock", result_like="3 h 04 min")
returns 9 h 31 min
